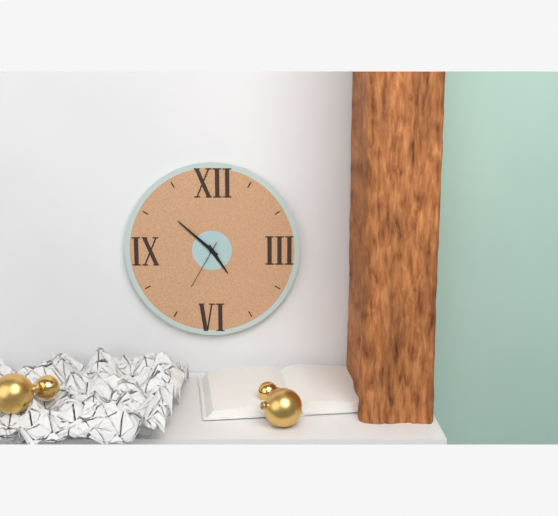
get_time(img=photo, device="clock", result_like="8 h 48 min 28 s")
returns 4 h 52 min 35 s
